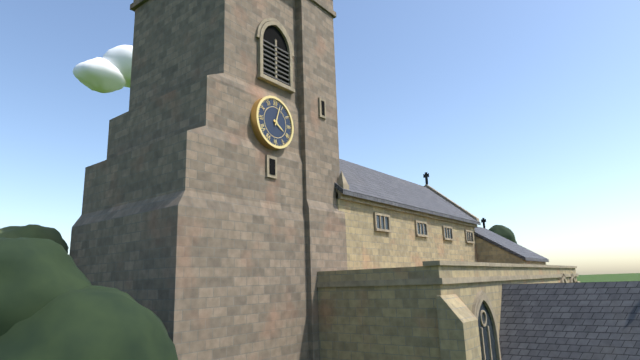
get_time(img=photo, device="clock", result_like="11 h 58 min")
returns 4 h 03 min
